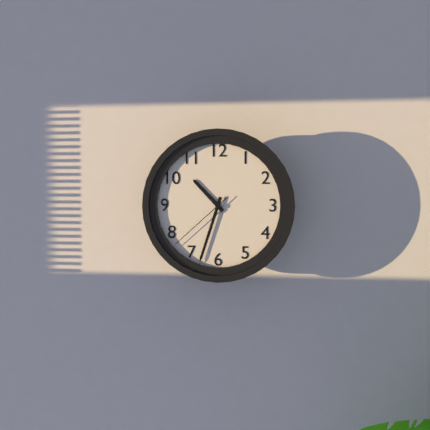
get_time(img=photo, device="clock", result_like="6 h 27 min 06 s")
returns 10 h 33 min 38 s
